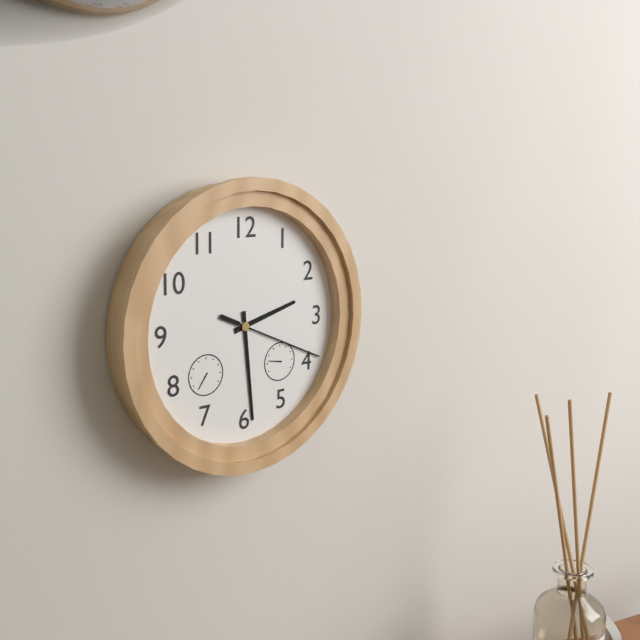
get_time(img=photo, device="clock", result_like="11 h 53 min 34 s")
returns 2 h 29 min 19 s
